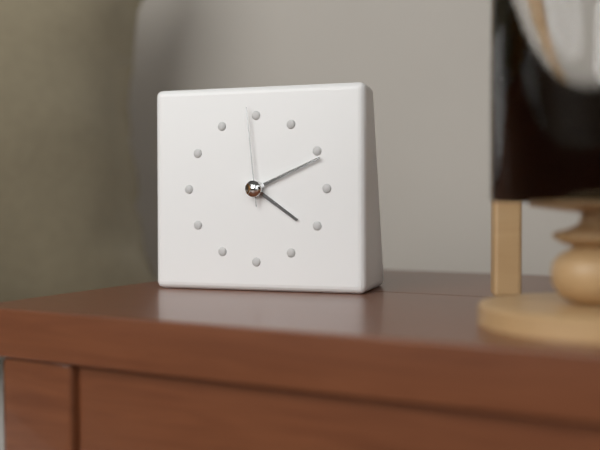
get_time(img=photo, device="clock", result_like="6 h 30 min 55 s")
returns 4 h 11 min 59 s
